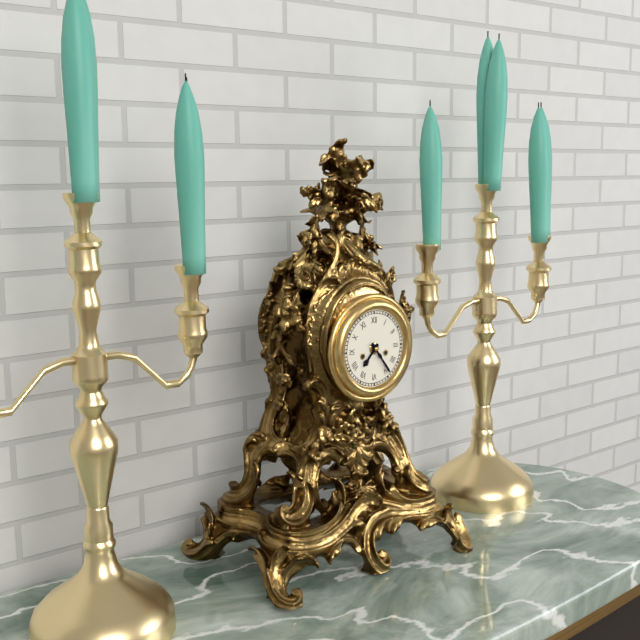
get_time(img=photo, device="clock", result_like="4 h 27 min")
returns 7 h 24 min
